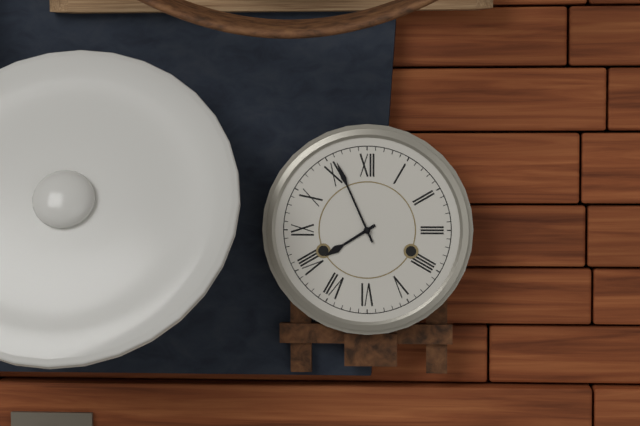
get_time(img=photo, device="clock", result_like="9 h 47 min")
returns 7 h 56 min
